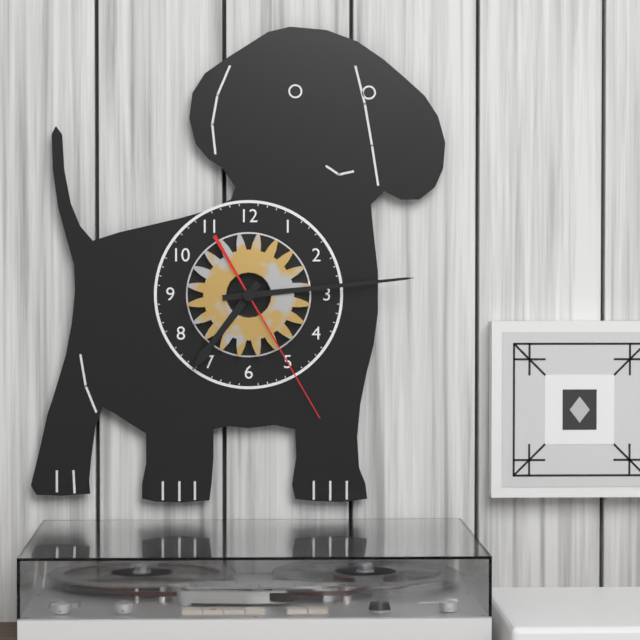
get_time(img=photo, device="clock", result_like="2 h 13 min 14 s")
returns 7 h 14 min 25 s
